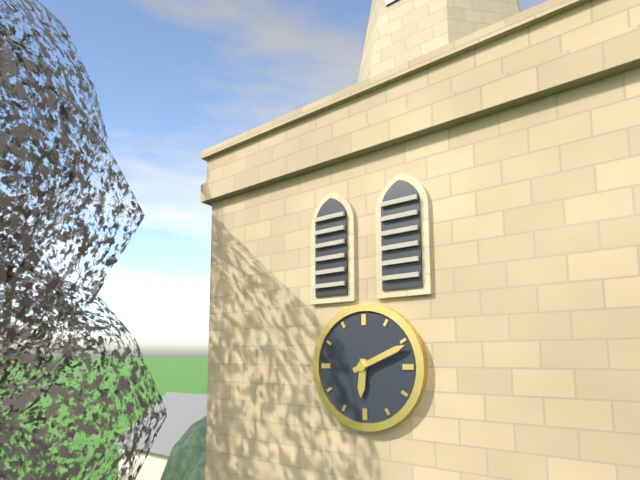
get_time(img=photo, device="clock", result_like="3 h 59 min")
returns 6 h 11 min
